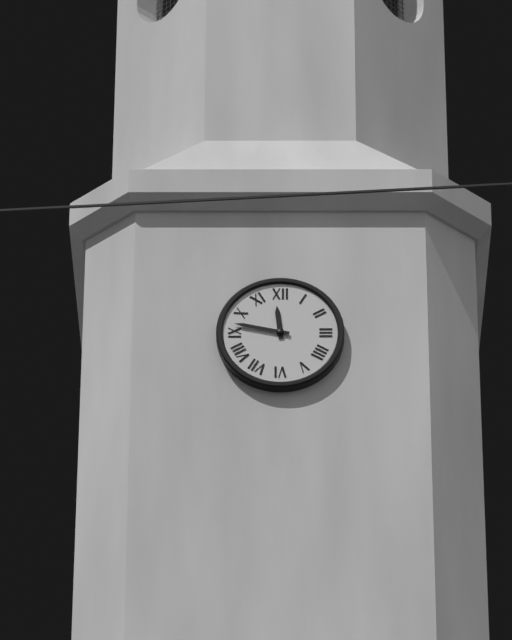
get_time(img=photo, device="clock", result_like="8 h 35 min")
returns 11 h 47 min
